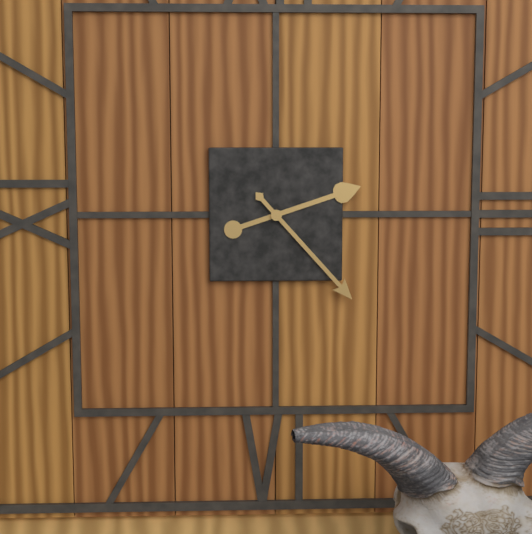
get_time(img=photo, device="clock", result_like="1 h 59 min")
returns 2 h 23 min
